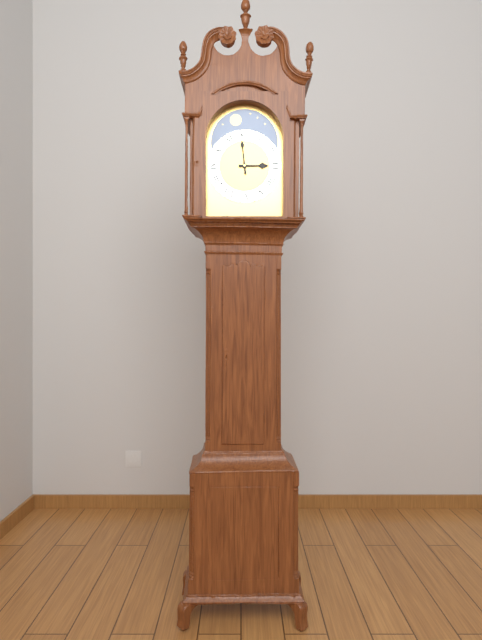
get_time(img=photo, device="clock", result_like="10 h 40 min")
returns 2 h 59 min
